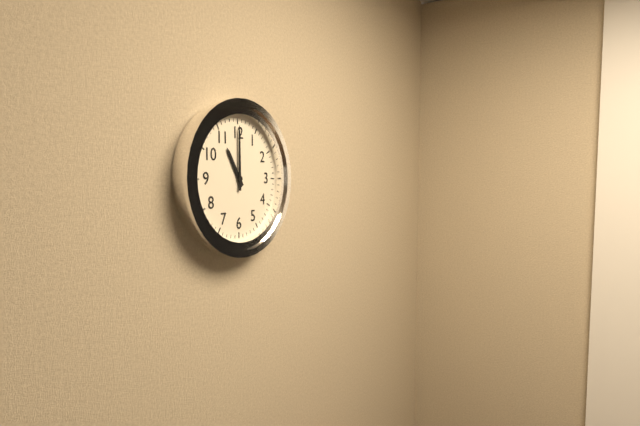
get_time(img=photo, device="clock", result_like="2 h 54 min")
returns 11 h 00 min
